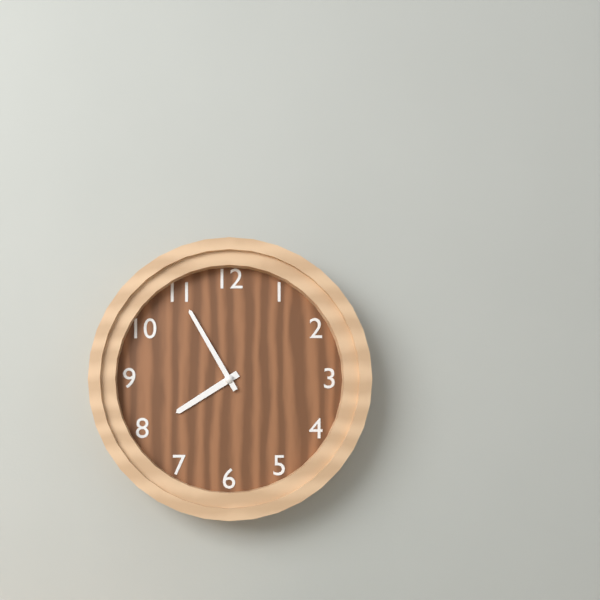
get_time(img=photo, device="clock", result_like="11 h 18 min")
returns 7 h 55 min
